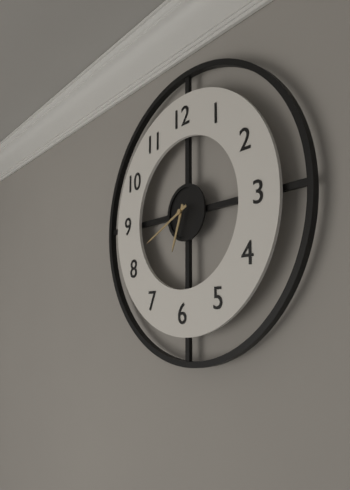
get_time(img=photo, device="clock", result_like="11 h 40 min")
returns 6 h 41 min
